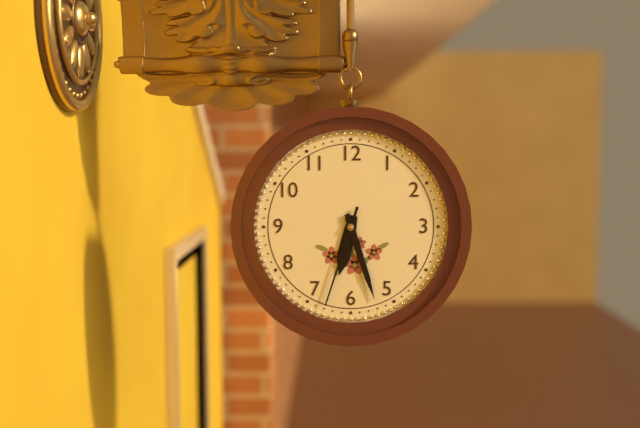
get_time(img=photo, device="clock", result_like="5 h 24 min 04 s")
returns 6 h 27 min 33 s
